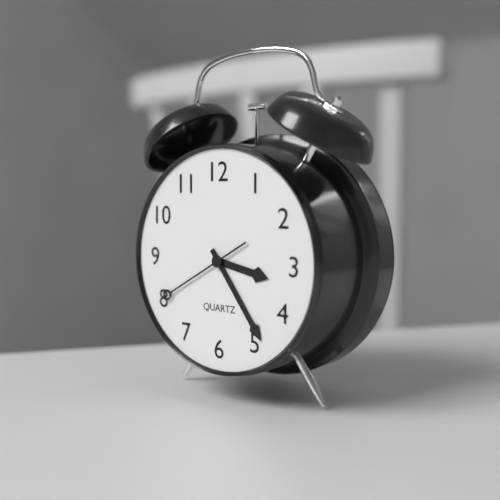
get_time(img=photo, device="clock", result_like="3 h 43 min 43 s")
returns 3 h 24 min 40 s
